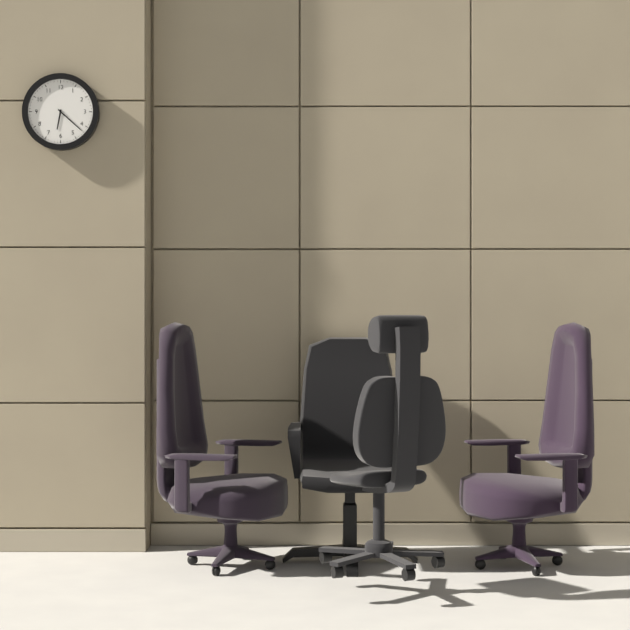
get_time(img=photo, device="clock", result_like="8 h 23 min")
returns 6 h 22 min
